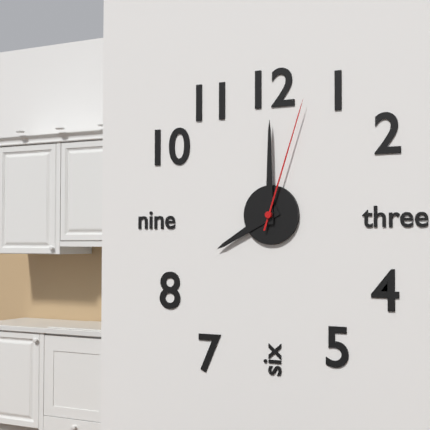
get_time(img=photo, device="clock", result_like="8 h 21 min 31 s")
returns 8 h 00 min 03 s
